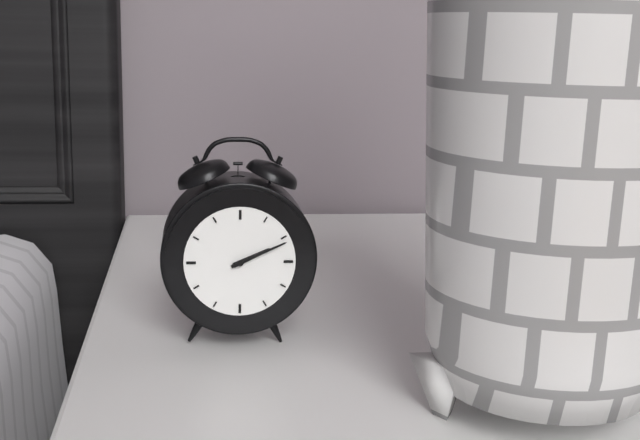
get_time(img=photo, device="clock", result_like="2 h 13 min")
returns 2 h 11 min
